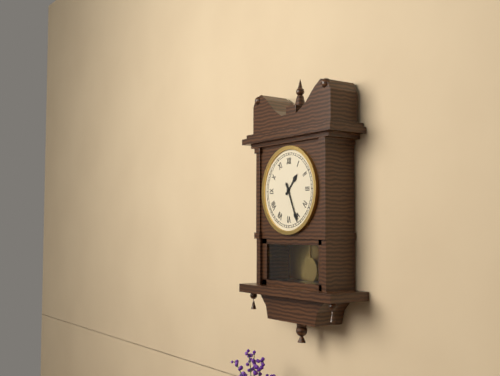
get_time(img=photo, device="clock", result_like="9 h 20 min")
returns 1 h 26 min
